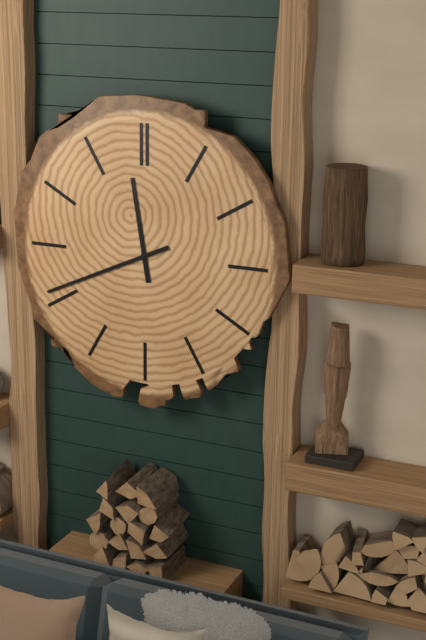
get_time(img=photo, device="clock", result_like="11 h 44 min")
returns 11 h 41 min
